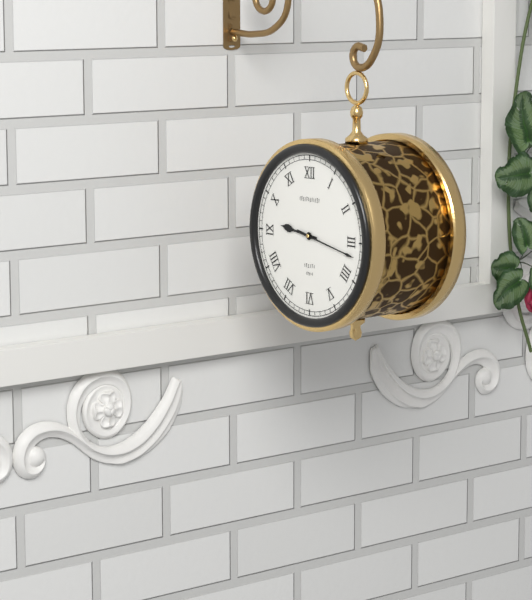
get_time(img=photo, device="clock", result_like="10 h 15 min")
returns 9 h 17 min
